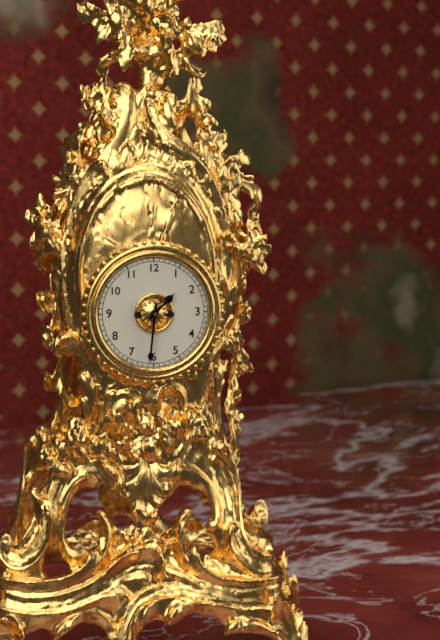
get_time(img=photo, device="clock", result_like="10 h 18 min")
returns 1 h 31 min
